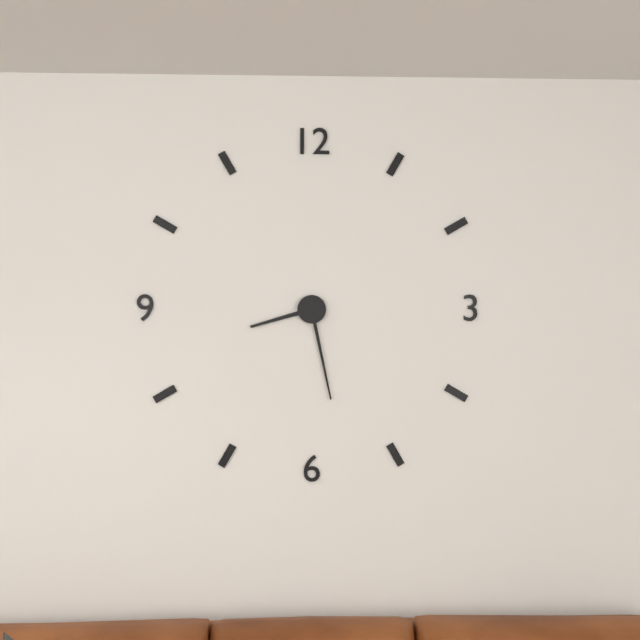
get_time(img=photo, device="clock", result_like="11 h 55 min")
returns 8 h 28 min
